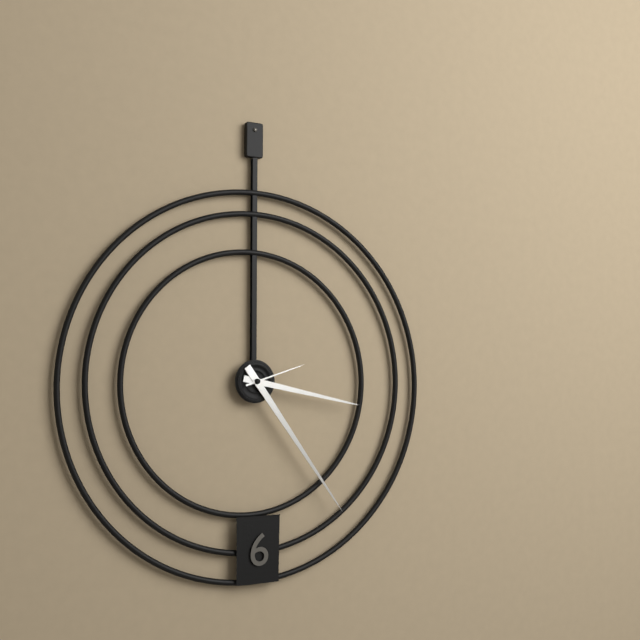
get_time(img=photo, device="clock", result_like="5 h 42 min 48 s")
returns 3 h 24 min 12 s
